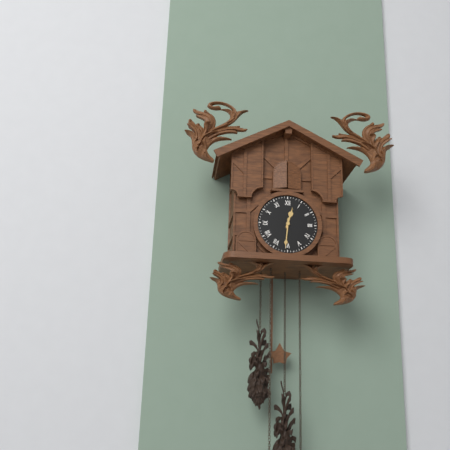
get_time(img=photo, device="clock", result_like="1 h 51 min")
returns 12 h 31 min
